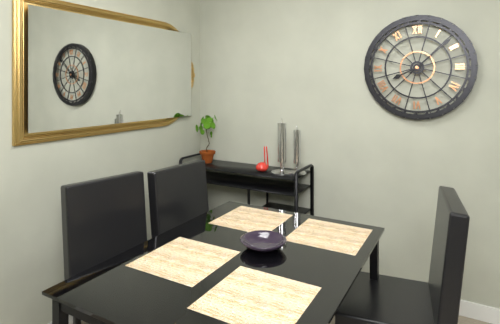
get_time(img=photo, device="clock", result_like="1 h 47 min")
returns 8 h 08 min
